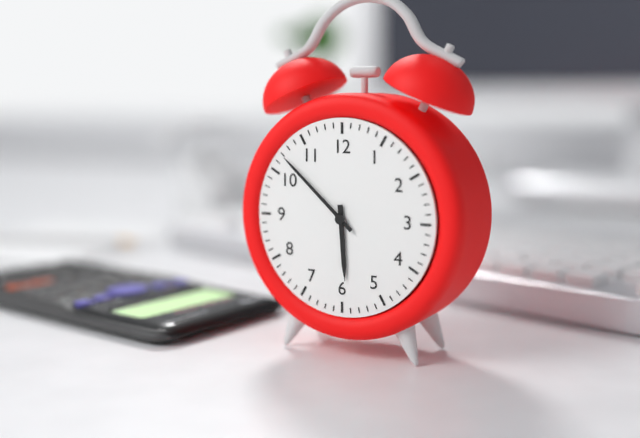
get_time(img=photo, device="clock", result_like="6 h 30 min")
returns 5 h 52 min
